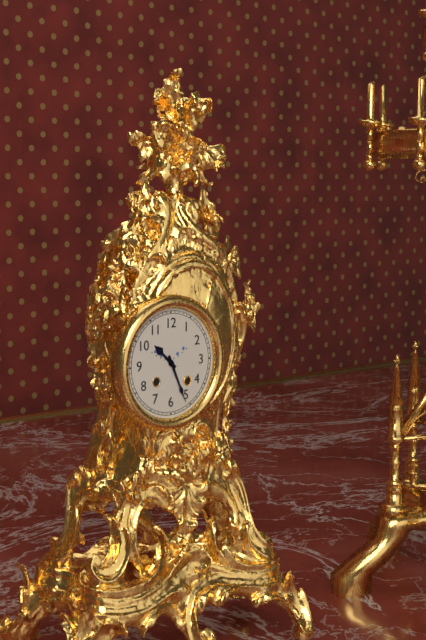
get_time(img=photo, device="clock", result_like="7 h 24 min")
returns 10 h 26 min
